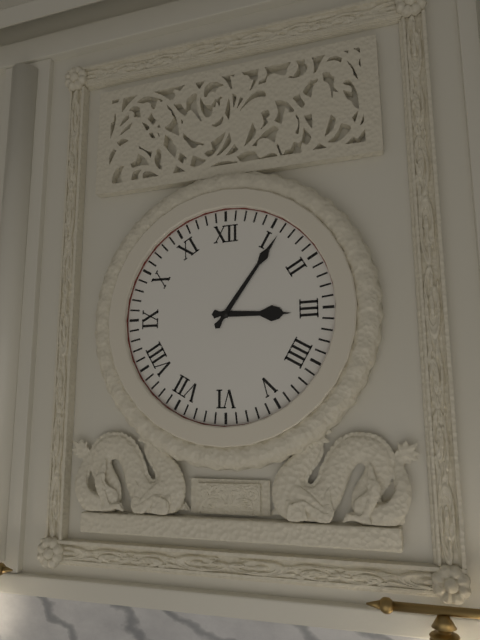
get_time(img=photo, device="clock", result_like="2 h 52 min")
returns 3 h 06 min
